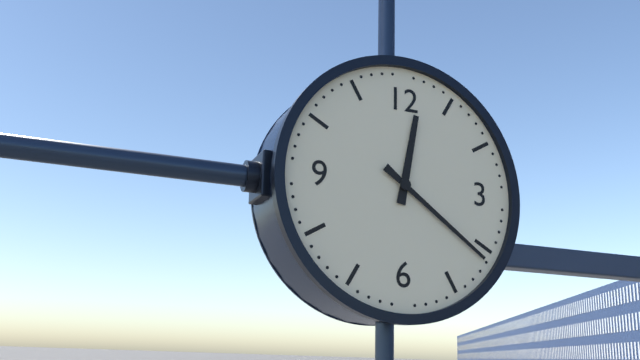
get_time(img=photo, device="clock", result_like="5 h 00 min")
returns 12 h 21 min
